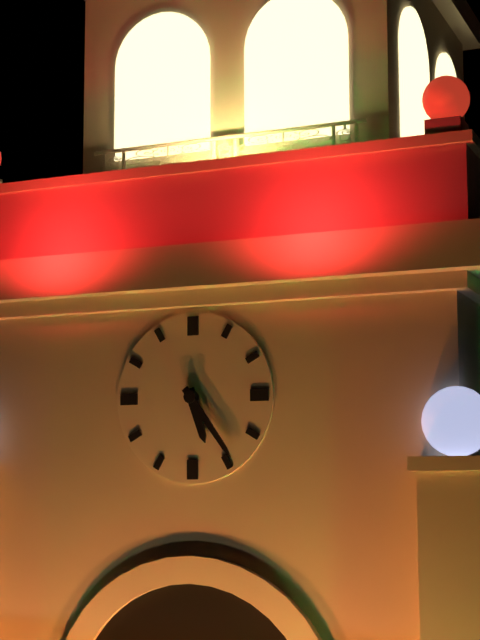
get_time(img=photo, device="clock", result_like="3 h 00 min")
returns 5 h 24 min
